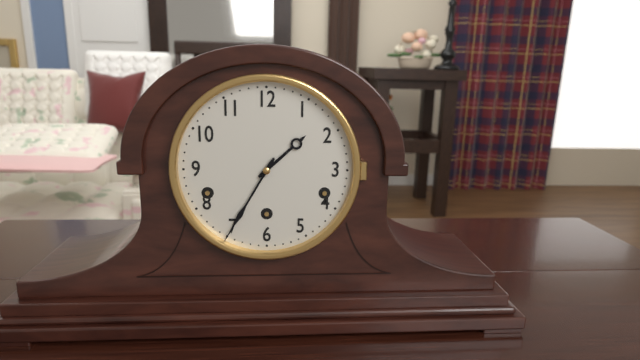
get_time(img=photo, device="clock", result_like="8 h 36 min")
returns 1 h 35 min
